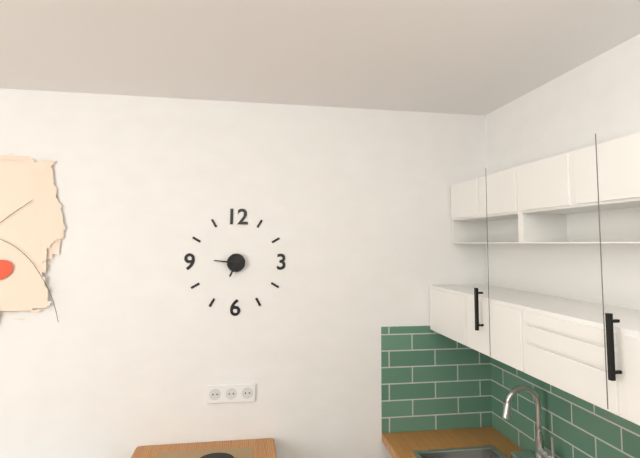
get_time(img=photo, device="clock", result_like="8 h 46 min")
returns 6 h 46 min
